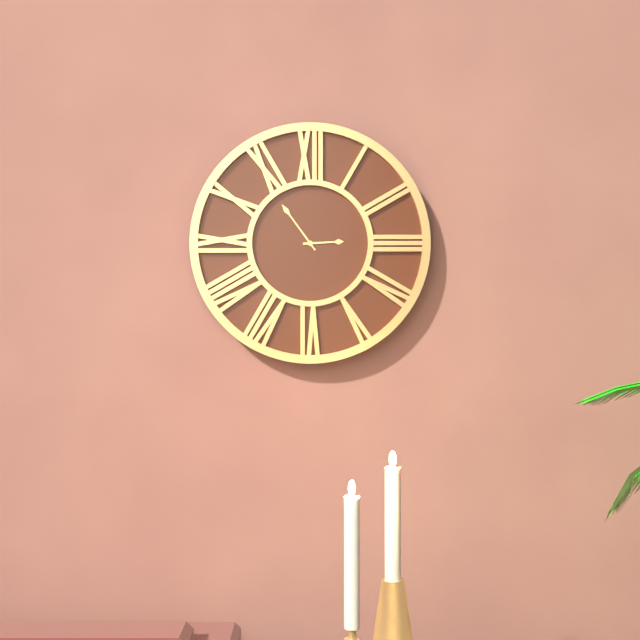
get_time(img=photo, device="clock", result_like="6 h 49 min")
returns 2 h 54 min
